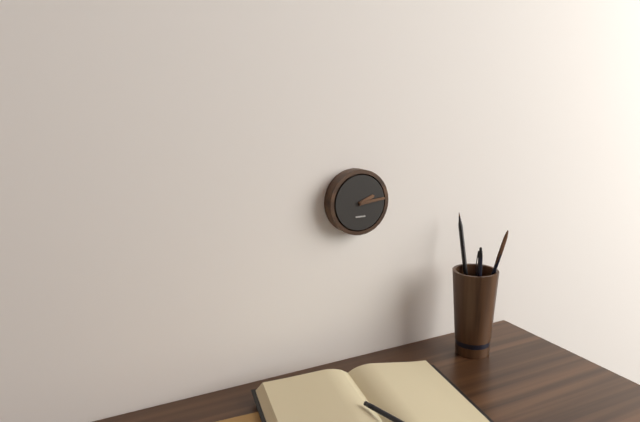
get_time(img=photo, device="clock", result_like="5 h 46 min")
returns 2 h 14 min
